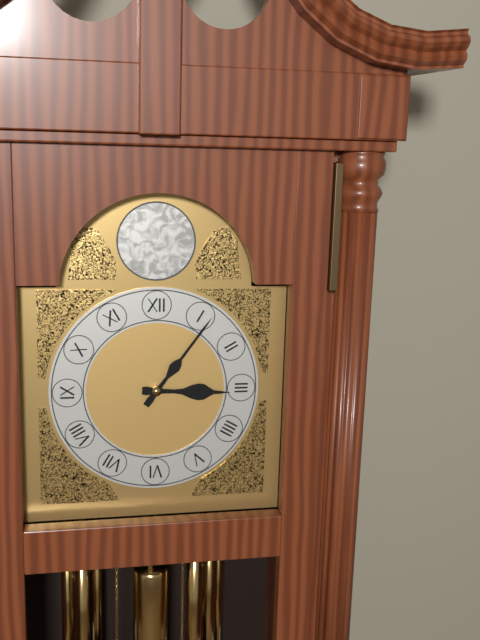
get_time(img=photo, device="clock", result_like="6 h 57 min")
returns 3 h 06 min
